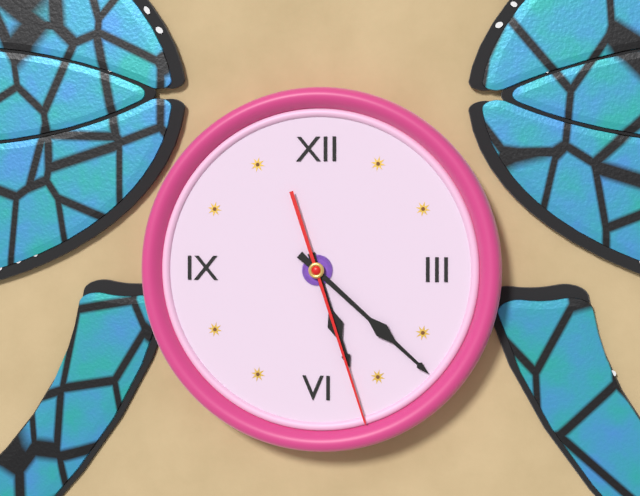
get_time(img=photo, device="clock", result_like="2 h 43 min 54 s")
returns 5 h 22 min 27 s
